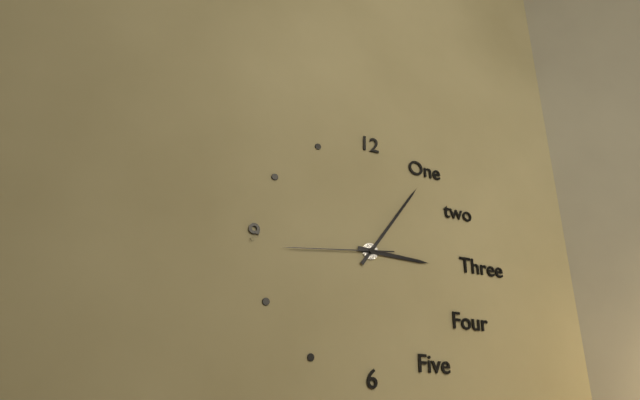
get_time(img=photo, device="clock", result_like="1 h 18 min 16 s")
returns 3 h 06 min 44 s
